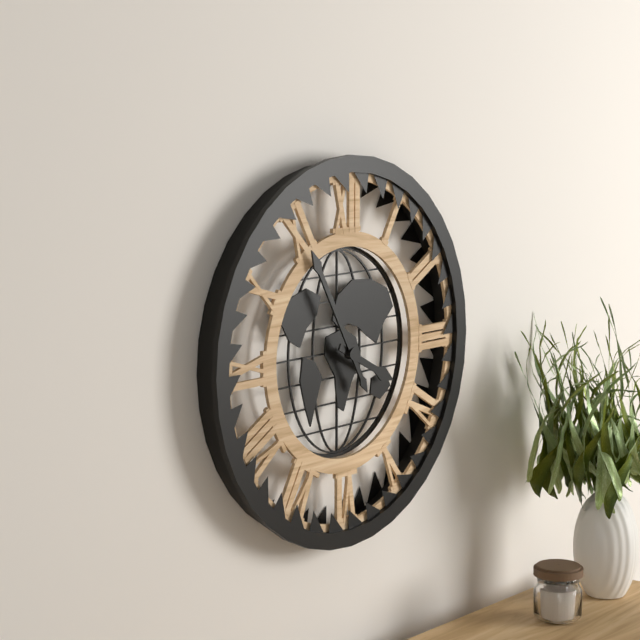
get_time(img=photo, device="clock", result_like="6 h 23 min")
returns 3 h 55 min
